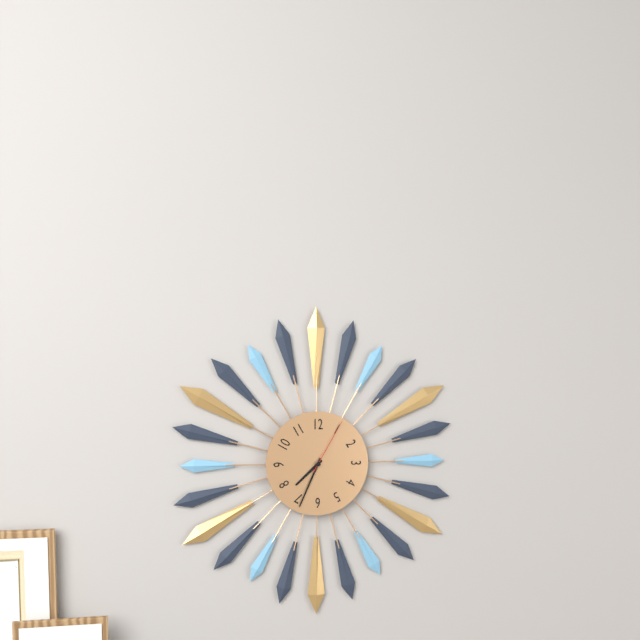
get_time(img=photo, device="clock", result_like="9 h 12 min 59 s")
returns 7 h 34 min 05 s
